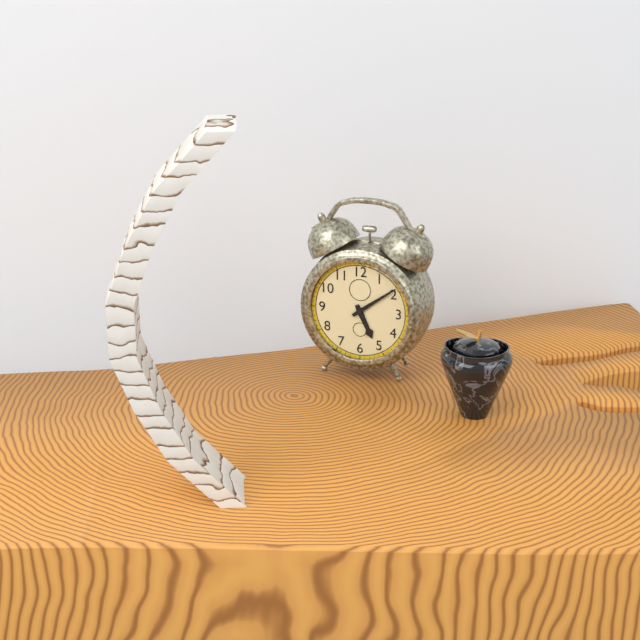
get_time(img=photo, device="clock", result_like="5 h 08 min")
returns 5 h 09 min
